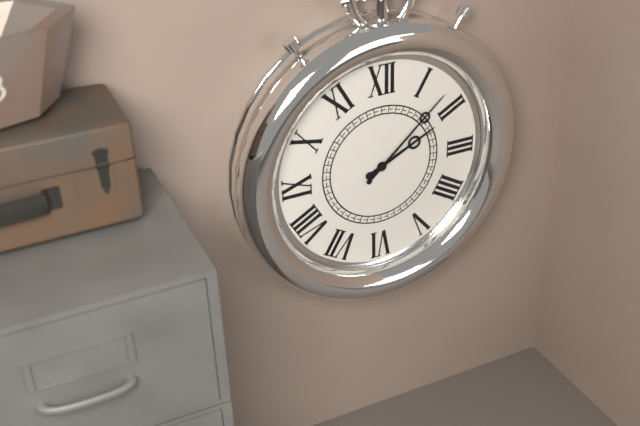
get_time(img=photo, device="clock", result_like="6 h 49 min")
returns 2 h 08 min
